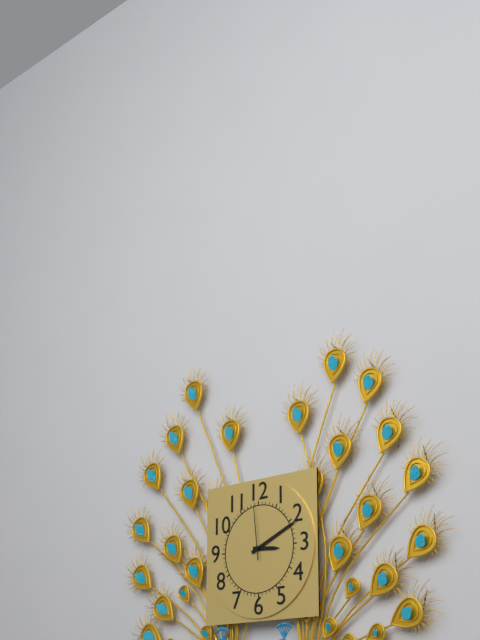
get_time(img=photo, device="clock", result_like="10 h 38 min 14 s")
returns 3 h 11 min 59 s
